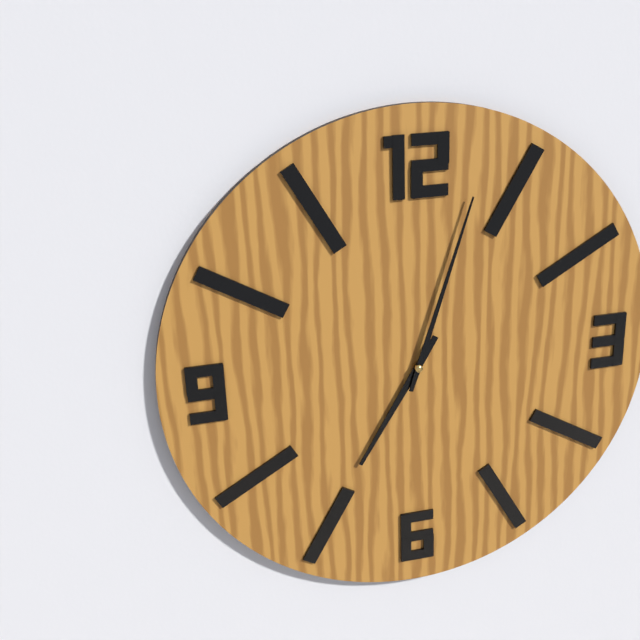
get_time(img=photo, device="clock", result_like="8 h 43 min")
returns 7 h 03 min
